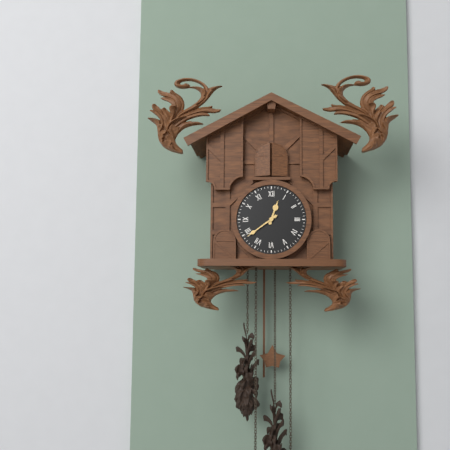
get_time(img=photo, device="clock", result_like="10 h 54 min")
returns 12 h 39 min
